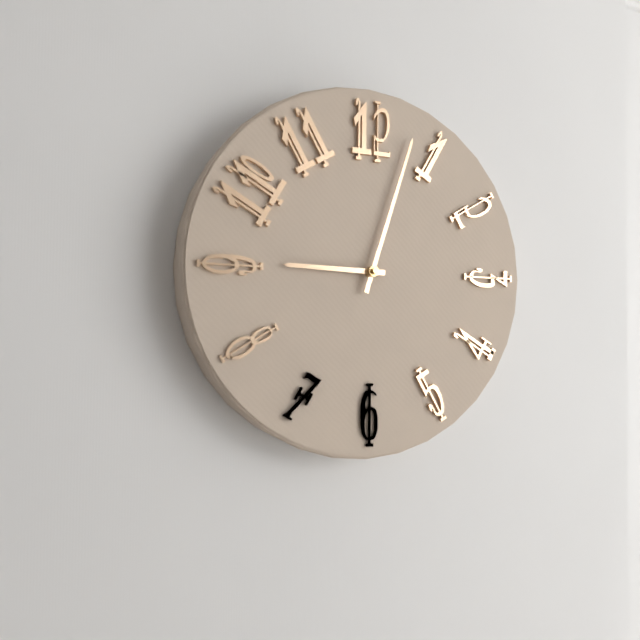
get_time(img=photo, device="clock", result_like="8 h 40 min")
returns 9 h 03 min
